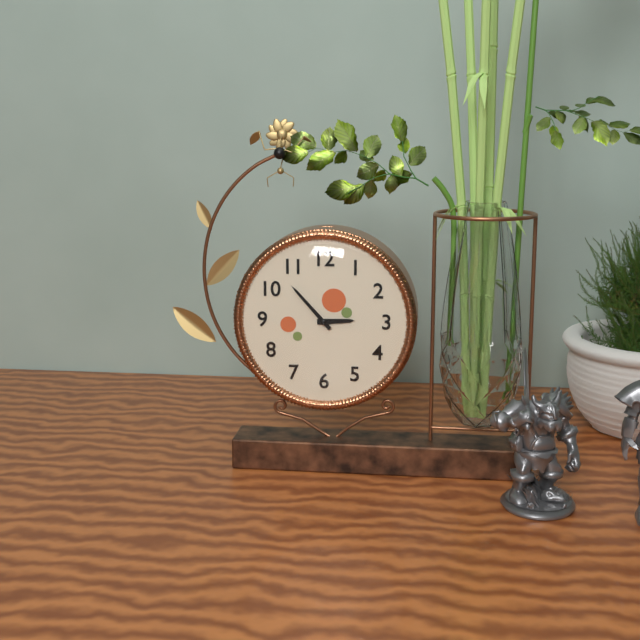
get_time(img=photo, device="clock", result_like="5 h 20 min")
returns 2 h 53 min
